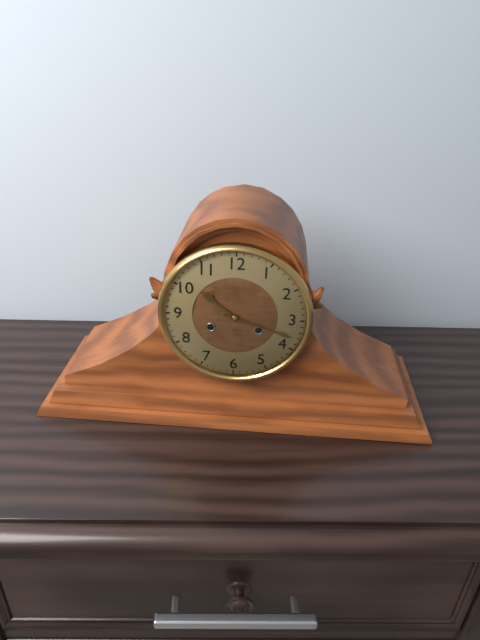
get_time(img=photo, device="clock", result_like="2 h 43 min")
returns 10 h 18 min
